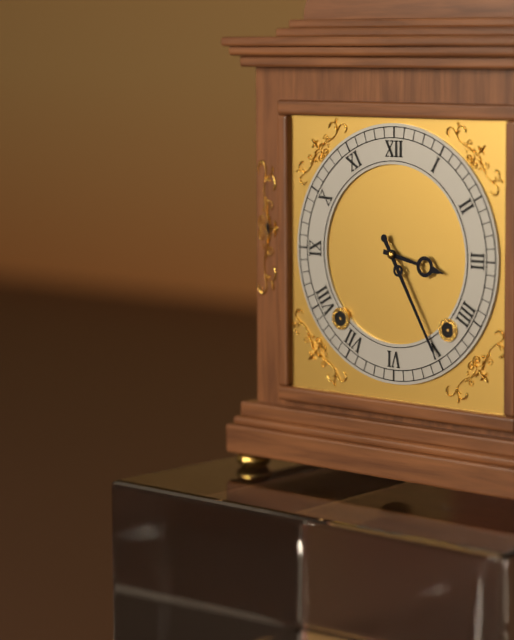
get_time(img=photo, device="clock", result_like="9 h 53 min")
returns 3 h 25 min
